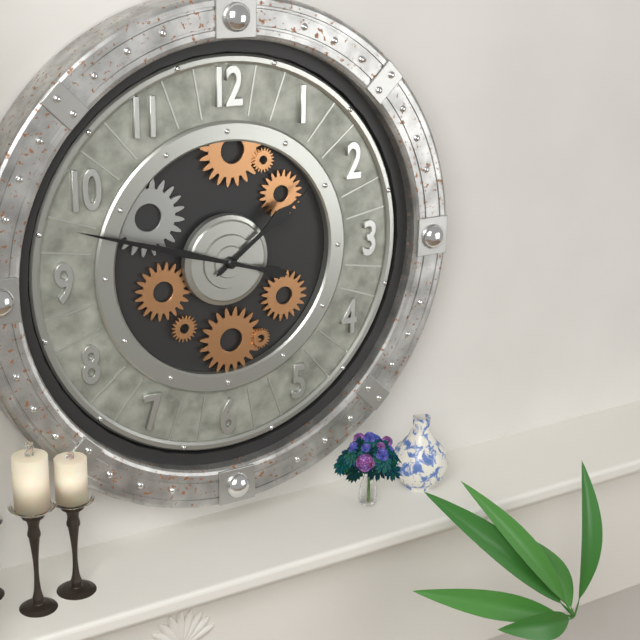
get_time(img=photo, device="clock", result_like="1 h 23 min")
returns 1 h 48 min
